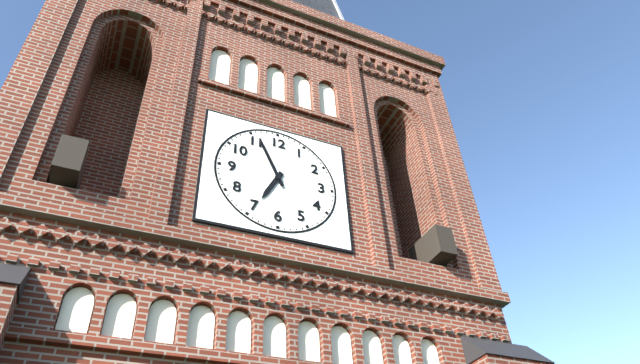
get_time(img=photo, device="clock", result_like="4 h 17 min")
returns 6 h 56 min
